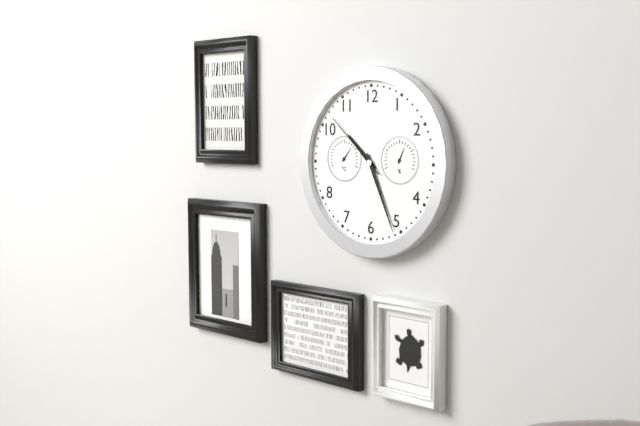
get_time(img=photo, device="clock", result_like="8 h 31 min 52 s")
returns 10 h 26 min 52 s
